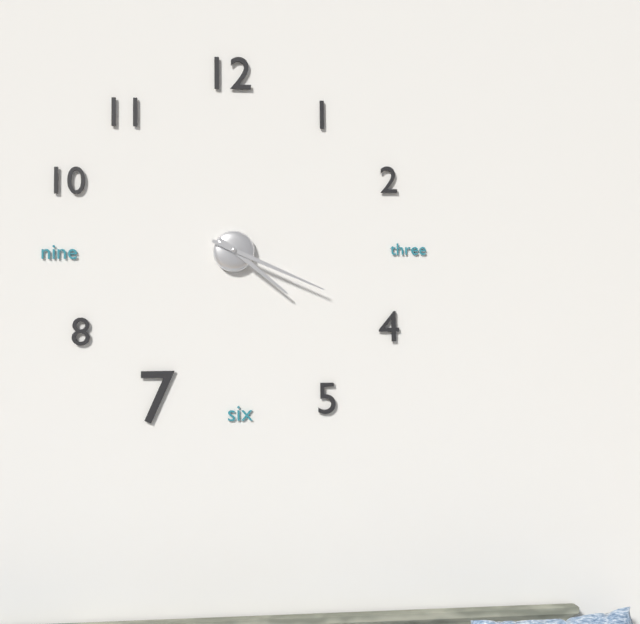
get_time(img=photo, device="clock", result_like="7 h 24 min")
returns 4 h 19 min
